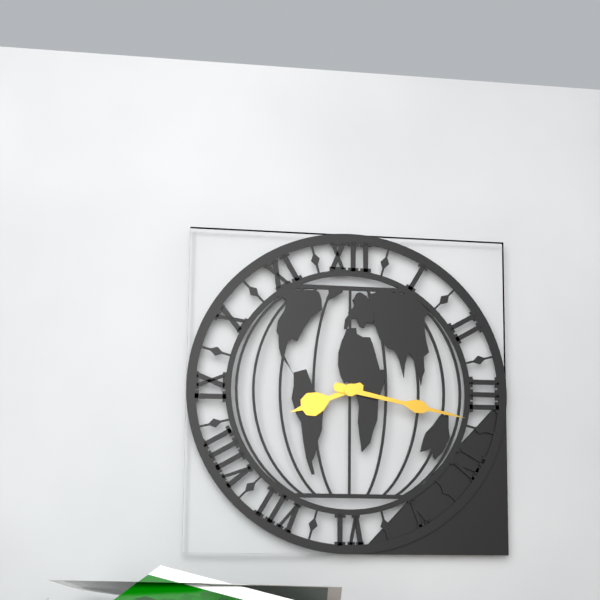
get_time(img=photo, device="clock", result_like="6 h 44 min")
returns 8 h 17 min
